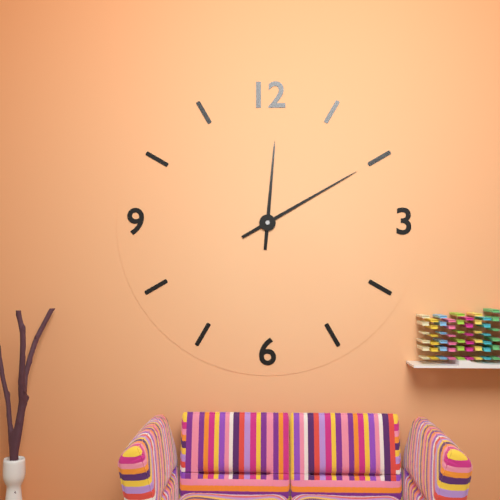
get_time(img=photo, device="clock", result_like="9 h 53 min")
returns 12 h 10 min
